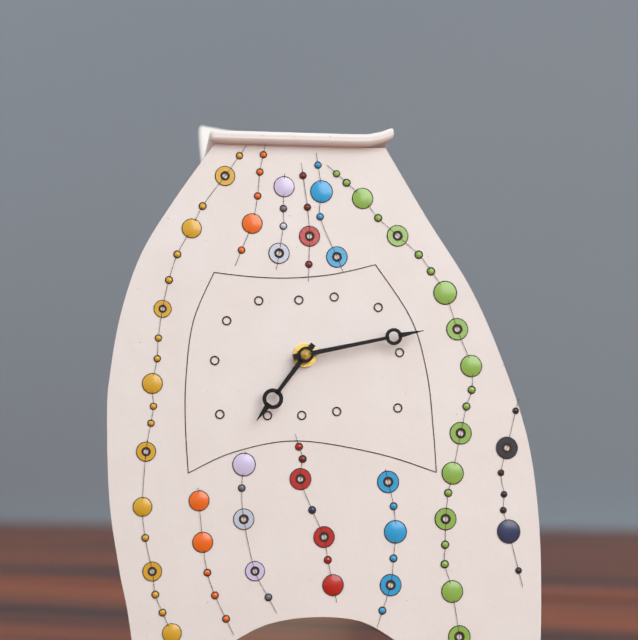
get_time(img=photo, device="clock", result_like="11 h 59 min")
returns 7 h 13 min
